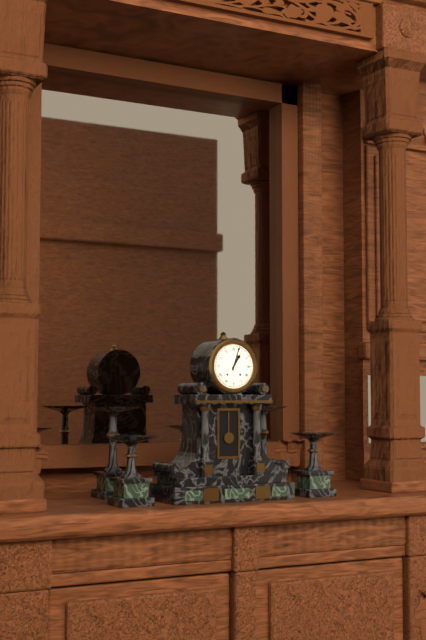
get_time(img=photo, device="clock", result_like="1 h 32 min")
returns 1 h 03 min
